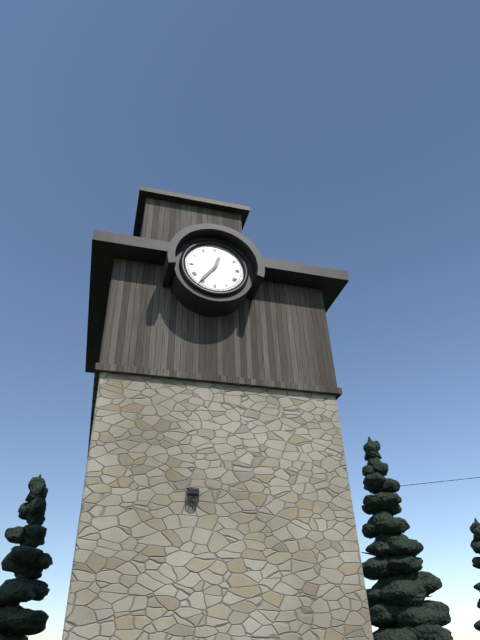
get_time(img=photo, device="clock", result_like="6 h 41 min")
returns 12 h 36 min
